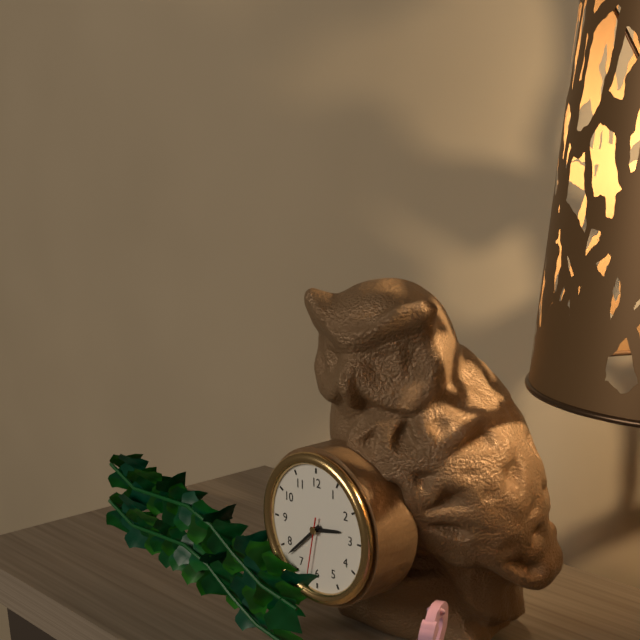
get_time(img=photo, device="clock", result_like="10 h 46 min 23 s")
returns 2 h 38 min 32 s
